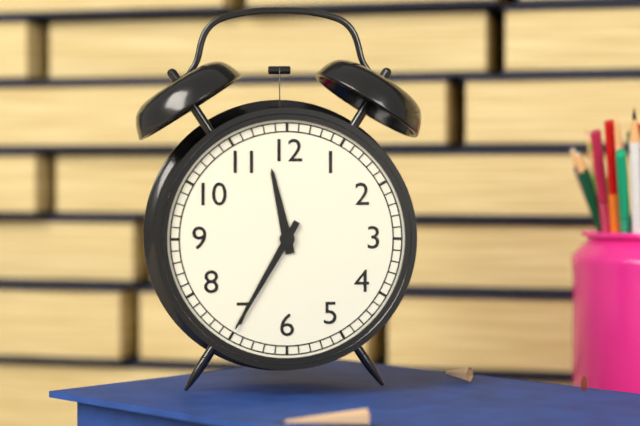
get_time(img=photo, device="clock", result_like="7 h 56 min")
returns 11 h 35 min
